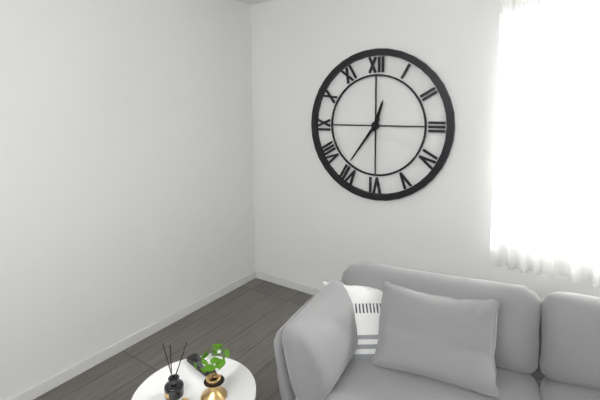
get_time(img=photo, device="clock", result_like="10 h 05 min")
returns 12 h 36 min
